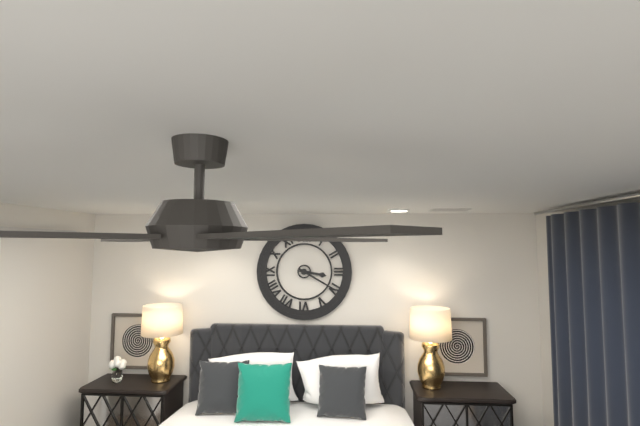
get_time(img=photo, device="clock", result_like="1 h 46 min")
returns 3 h 20 min
